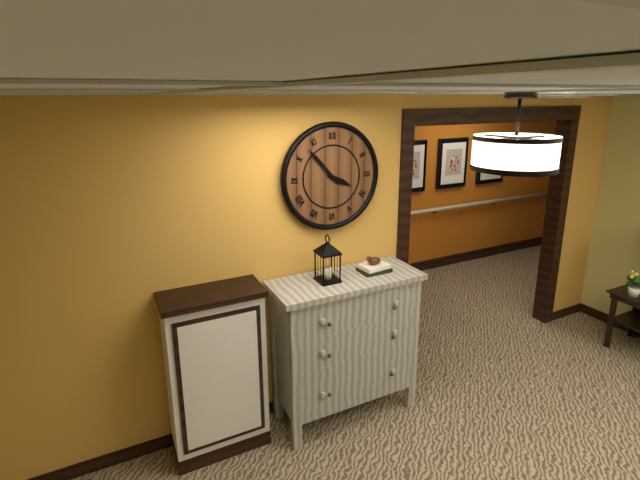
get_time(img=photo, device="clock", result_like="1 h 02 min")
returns 3 h 53 min
